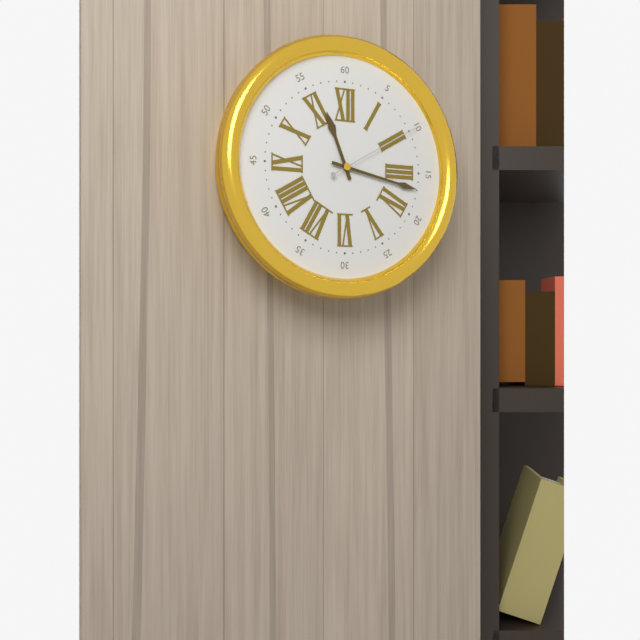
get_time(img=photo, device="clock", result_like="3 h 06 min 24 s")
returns 11 h 17 min 10 s
